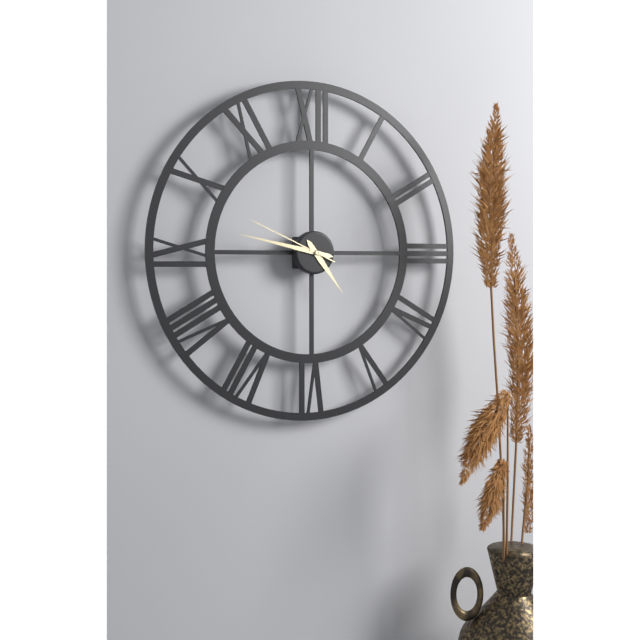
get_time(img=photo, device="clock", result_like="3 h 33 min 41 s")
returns 4 h 47 min 49 s
